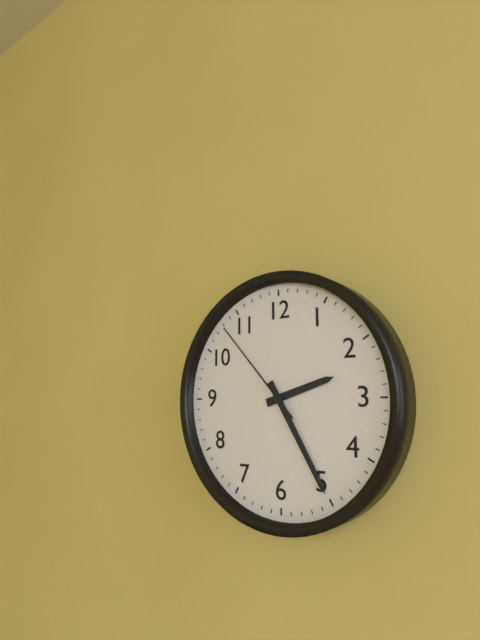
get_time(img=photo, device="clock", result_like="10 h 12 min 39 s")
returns 2 h 25 min 53 s
